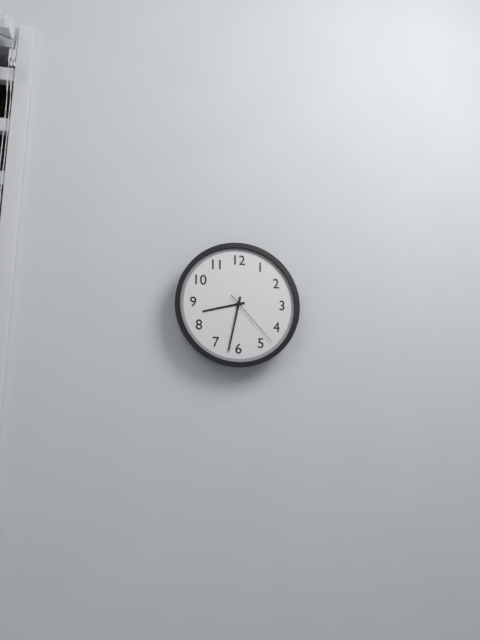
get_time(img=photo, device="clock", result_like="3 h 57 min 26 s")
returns 8 h 32 min 23 s
